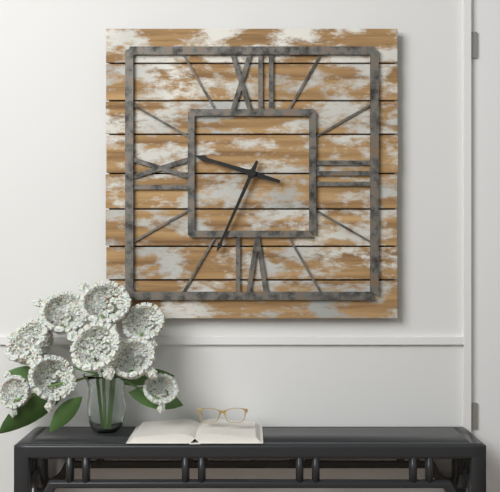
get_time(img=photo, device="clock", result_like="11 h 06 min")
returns 9 h 34 min
